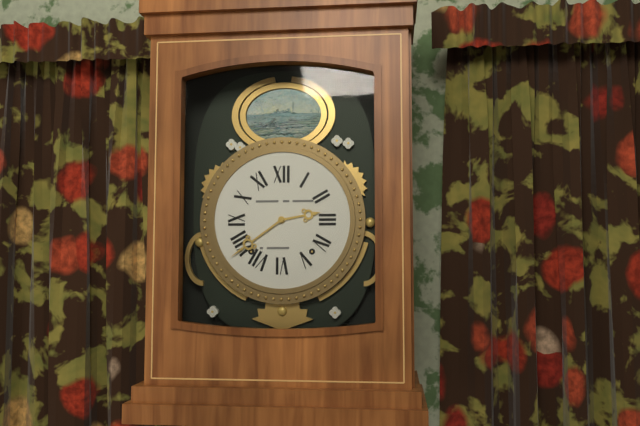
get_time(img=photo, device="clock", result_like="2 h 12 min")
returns 2 h 39 min
